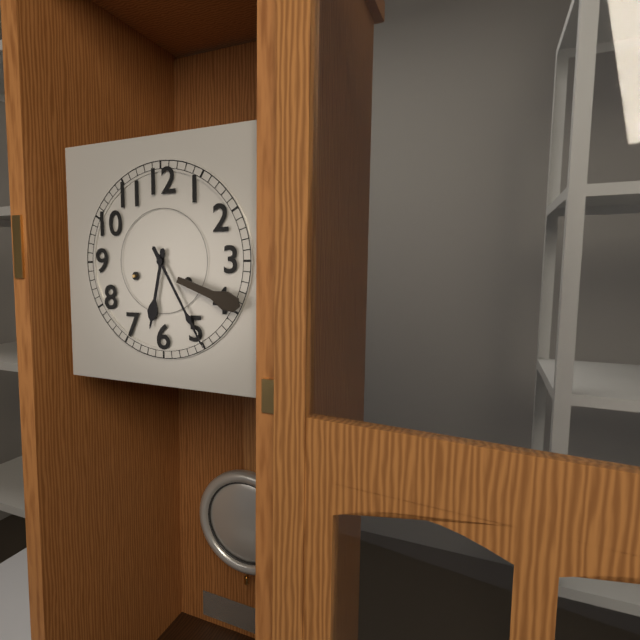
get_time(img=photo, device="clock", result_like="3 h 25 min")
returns 6 h 25 min
